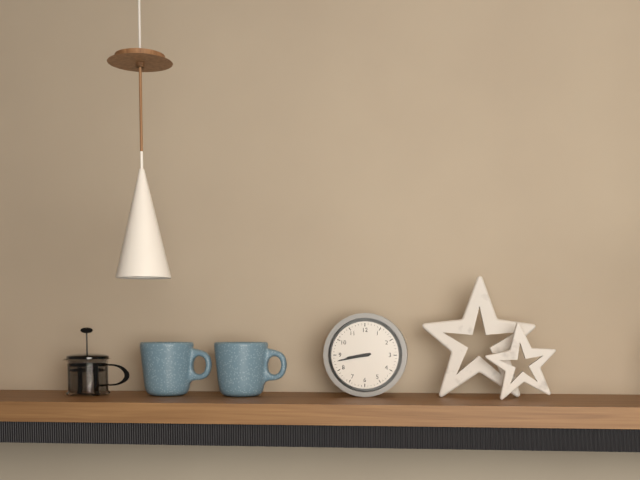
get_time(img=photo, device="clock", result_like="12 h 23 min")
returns 8 h 43 min
